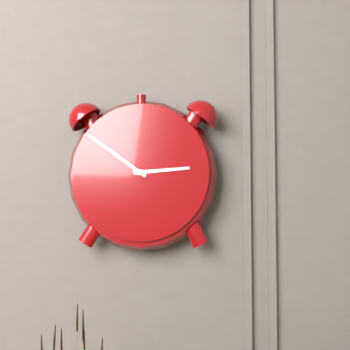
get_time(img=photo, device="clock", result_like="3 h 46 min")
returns 2 h 51 min
